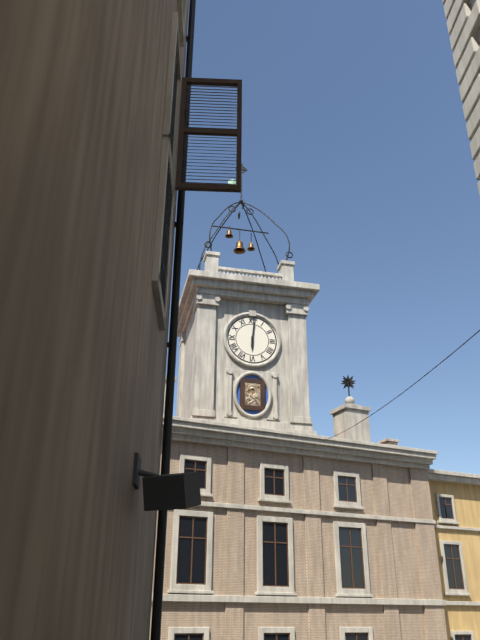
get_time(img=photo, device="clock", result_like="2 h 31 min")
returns 6 h 01 min
